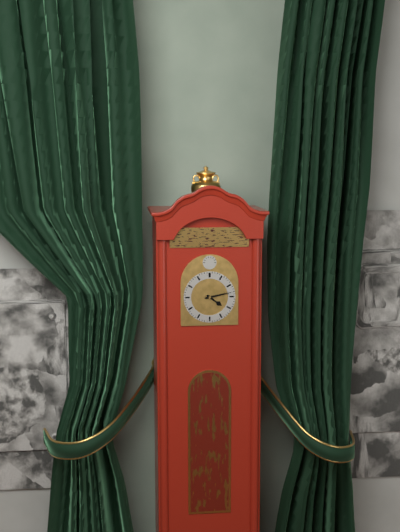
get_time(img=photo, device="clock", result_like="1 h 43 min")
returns 4 h 13 min
